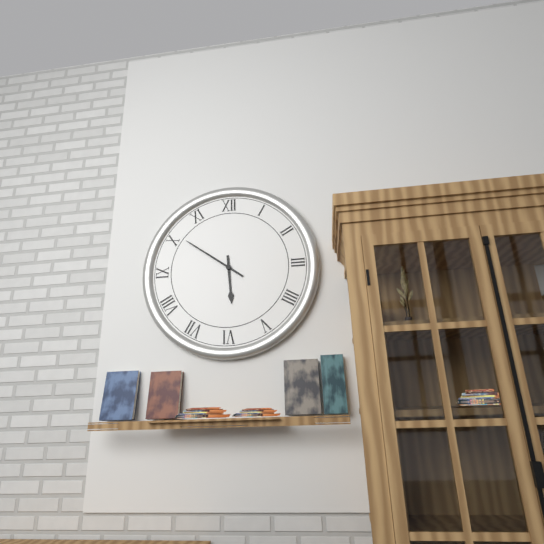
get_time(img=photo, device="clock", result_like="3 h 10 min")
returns 5 h 51 min
